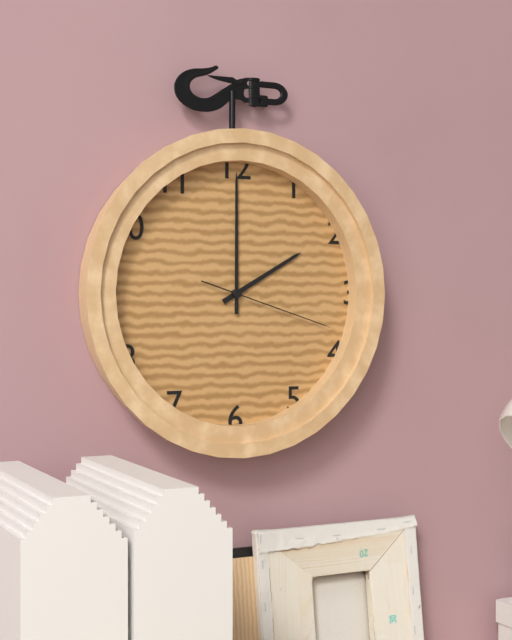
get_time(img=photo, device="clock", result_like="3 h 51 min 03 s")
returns 2 h 00 min 18 s
